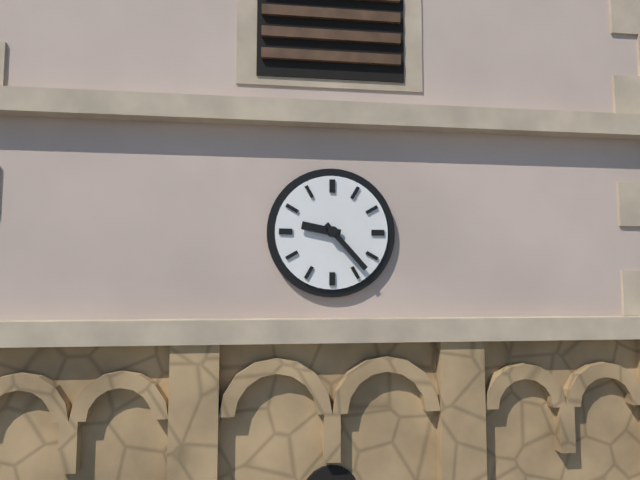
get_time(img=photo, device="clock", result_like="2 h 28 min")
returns 9 h 23 min
